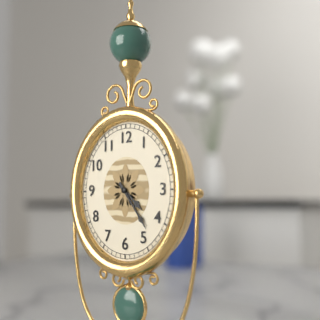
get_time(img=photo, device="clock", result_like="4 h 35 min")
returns 4 h 24 min
